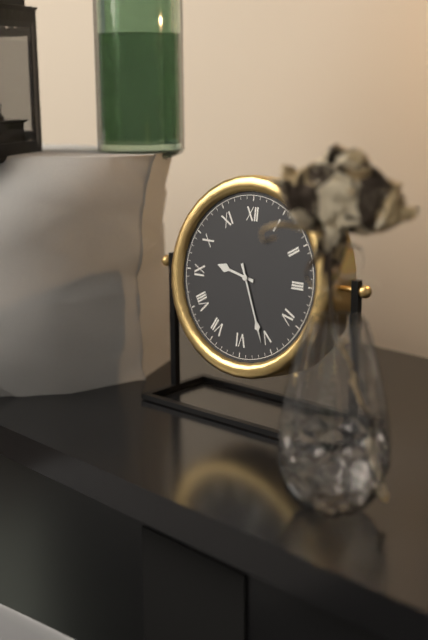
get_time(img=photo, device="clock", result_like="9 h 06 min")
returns 9 h 26 min
